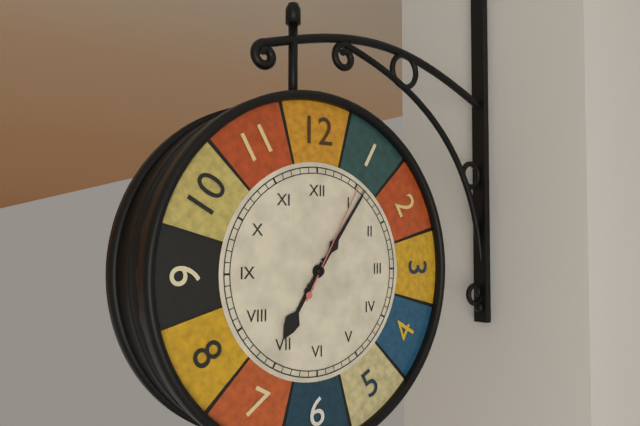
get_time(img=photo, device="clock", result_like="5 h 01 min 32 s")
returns 7 h 06 min 05 s
